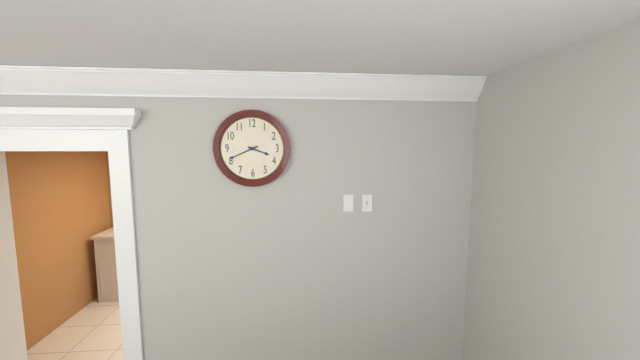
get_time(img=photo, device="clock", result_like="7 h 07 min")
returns 3 h 41 min
